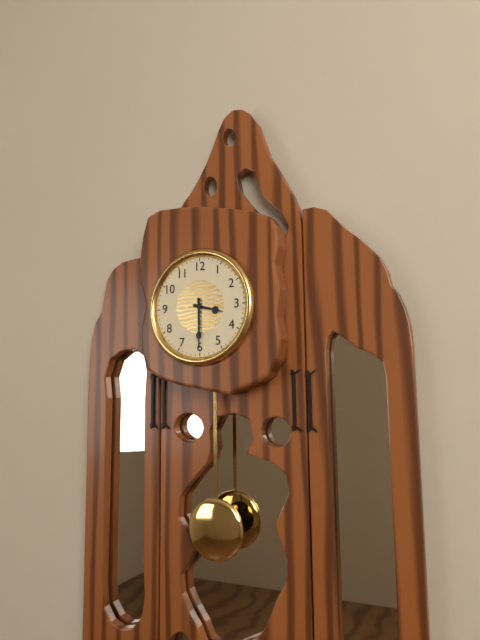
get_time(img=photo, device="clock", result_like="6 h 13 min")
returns 3 h 30 min
